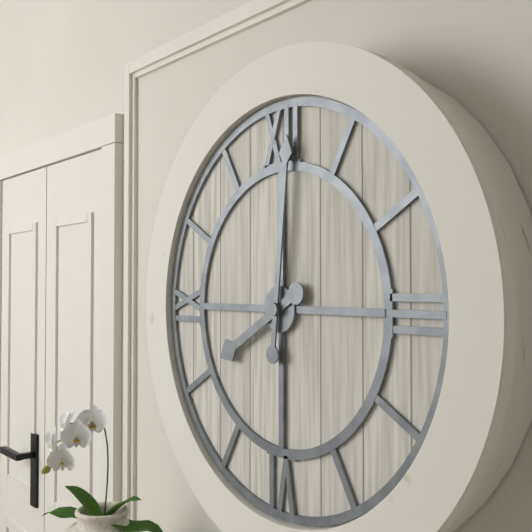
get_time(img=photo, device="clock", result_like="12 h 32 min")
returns 8 h 01 min
